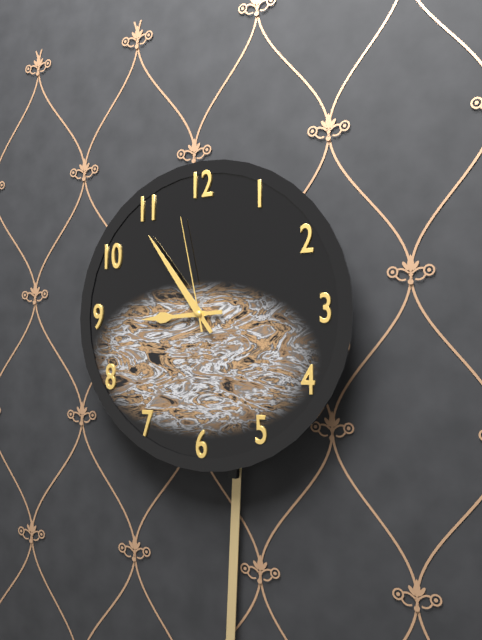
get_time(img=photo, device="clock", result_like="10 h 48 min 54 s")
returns 8 h 54 min 58 s
